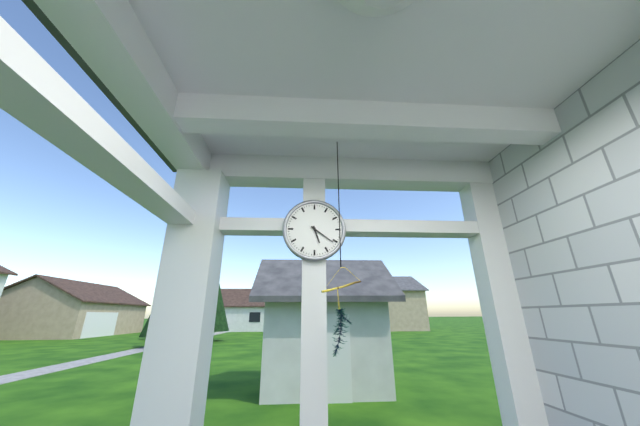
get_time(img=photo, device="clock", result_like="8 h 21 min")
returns 5 h 21 min
